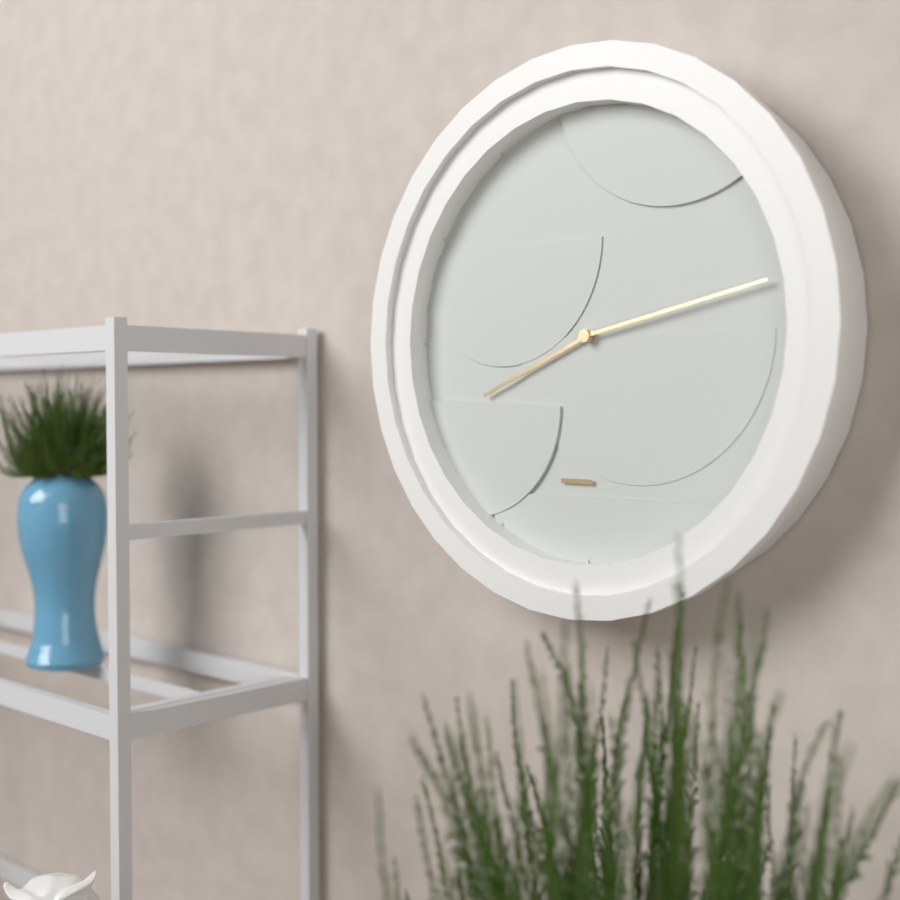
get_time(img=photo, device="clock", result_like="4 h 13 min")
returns 8 h 13 min
